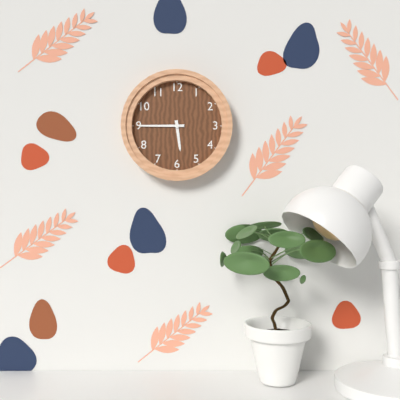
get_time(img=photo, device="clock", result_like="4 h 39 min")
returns 5 h 45 min
